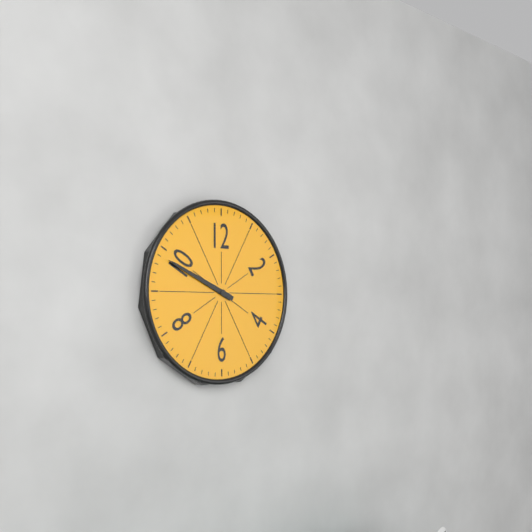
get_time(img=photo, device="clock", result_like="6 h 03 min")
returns 9 h 49 min
